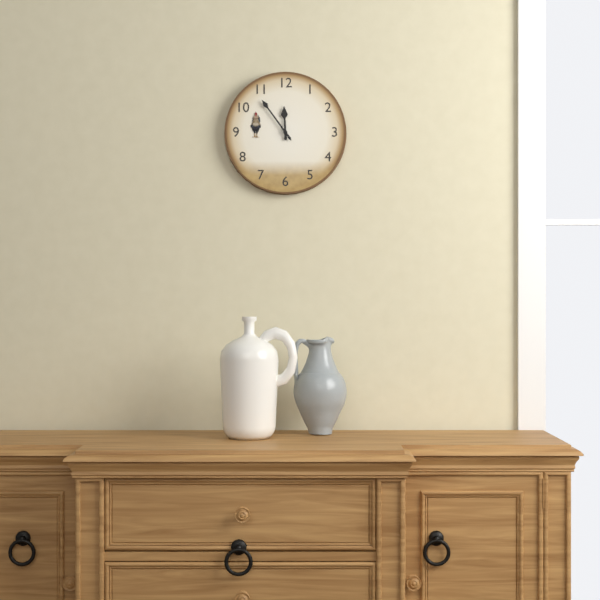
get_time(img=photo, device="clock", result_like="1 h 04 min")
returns 11 h 54 min
